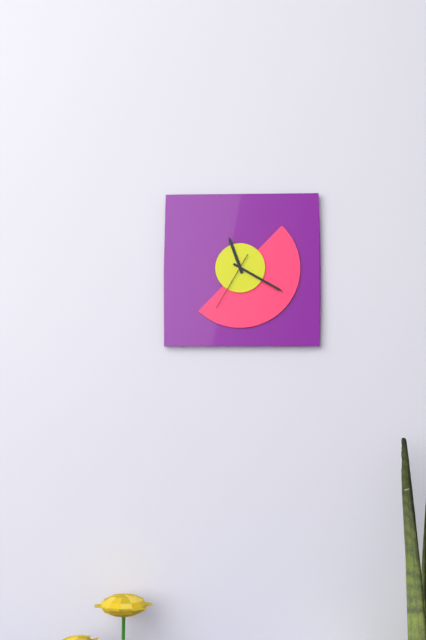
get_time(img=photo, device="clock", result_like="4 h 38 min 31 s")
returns 11 h 20 min 35 s
